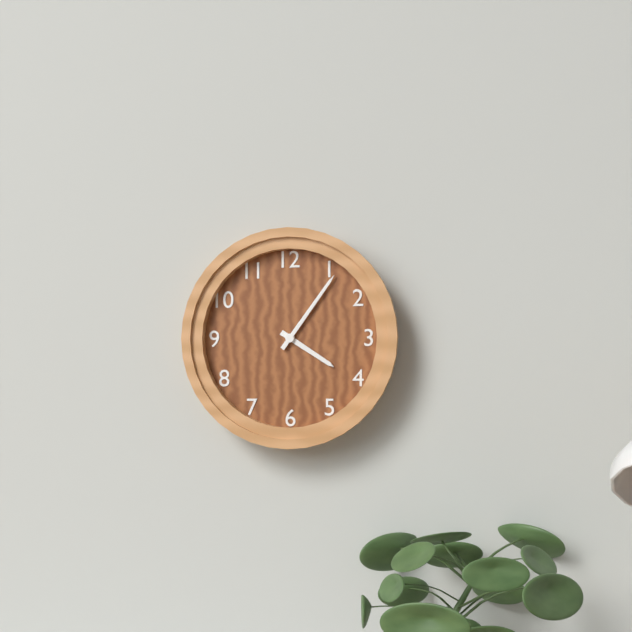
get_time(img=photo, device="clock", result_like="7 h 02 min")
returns 4 h 06 min
